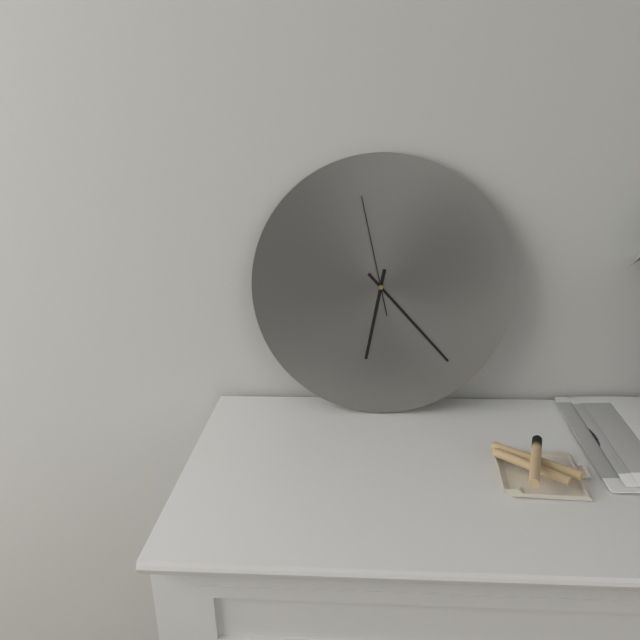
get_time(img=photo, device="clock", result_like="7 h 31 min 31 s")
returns 6 h 23 min 58 s
